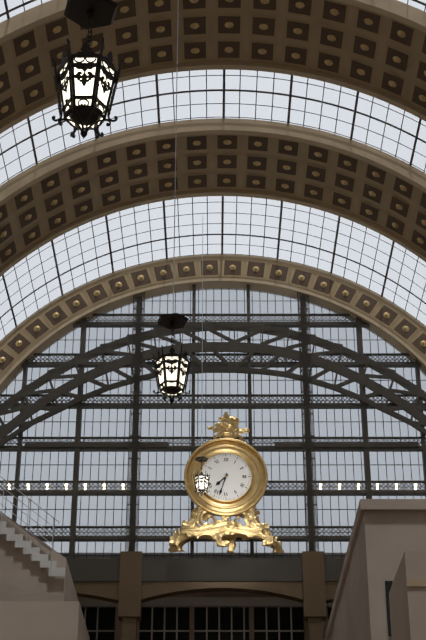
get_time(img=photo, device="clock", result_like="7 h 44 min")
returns 7 h 33 min
